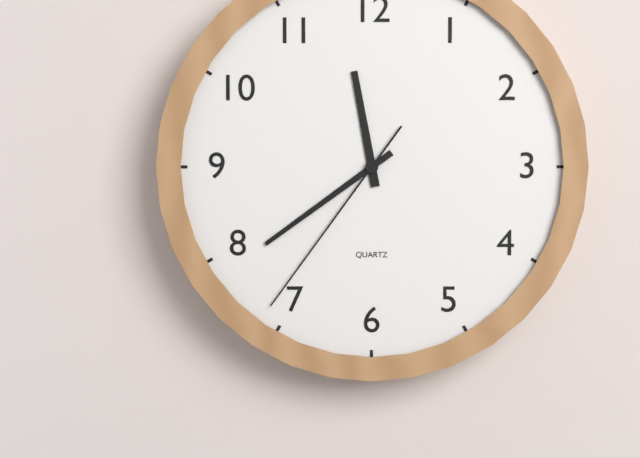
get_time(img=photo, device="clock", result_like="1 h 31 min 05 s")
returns 11 h 39 min 36 s
